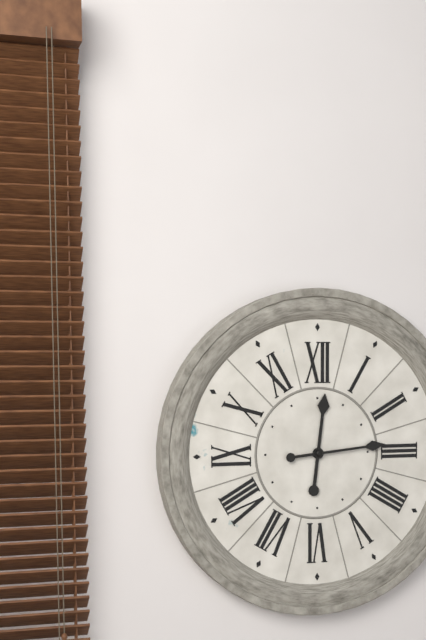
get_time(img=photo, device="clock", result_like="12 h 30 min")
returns 12 h 14 min
